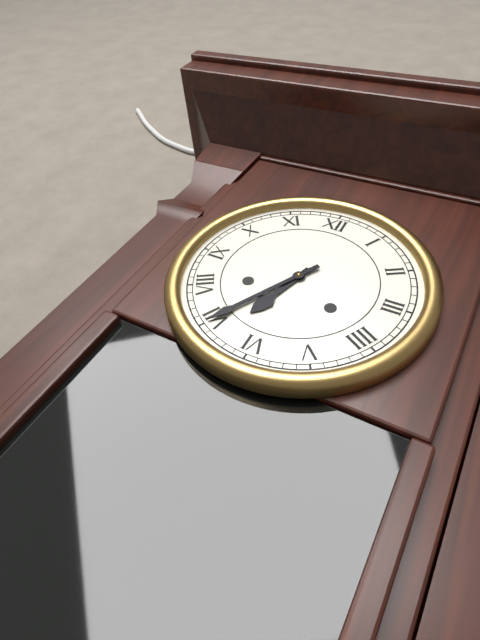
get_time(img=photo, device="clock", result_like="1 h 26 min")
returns 6 h 35 min
